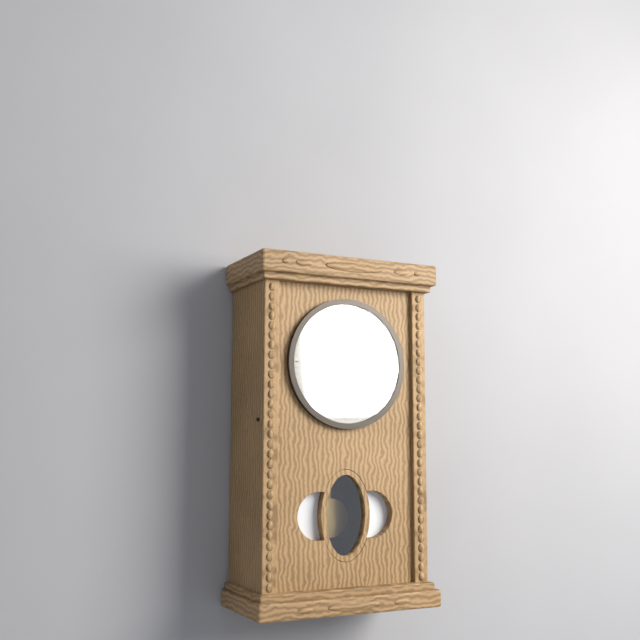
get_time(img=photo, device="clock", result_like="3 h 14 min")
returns 7 h 06 min
